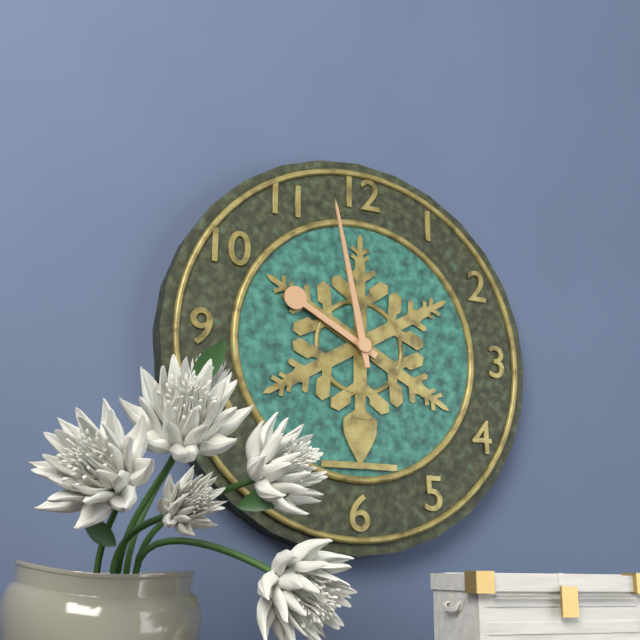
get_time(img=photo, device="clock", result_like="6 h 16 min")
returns 9 h 58 min
